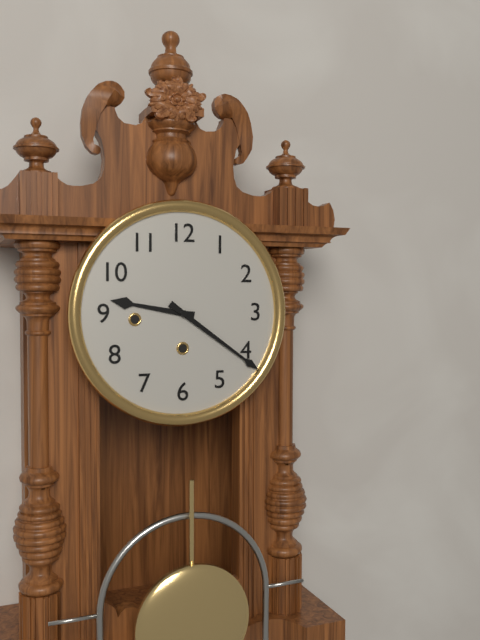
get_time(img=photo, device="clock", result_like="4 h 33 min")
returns 9 h 21 min
